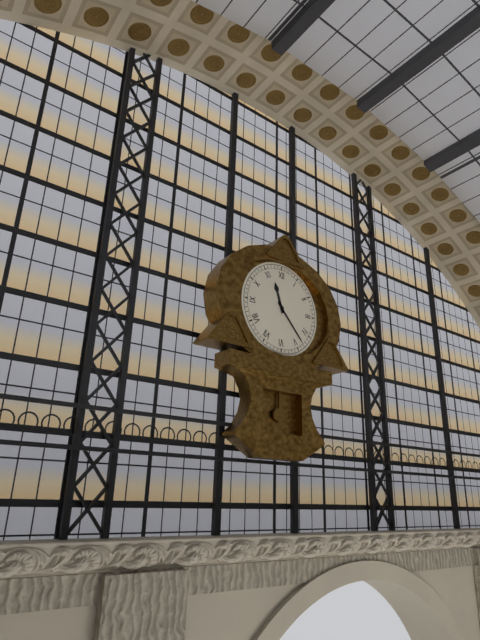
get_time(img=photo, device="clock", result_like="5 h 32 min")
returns 11 h 23 min
